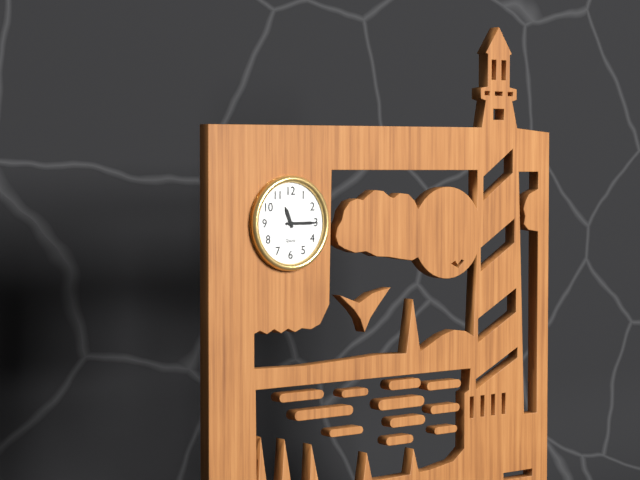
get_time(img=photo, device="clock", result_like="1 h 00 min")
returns 11 h 15 min
